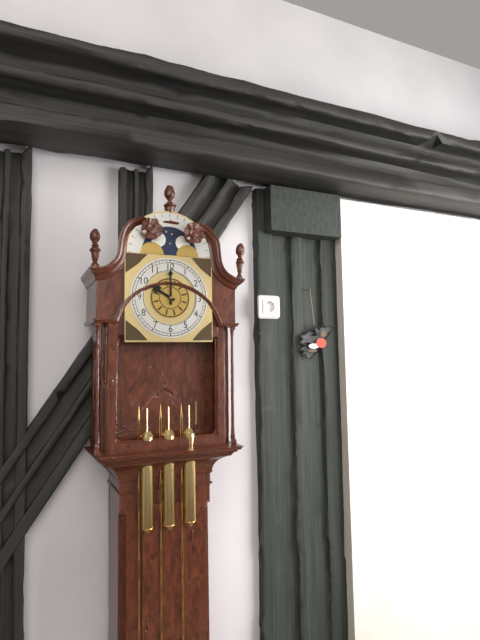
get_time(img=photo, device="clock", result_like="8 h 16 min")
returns 10 h 00 min
